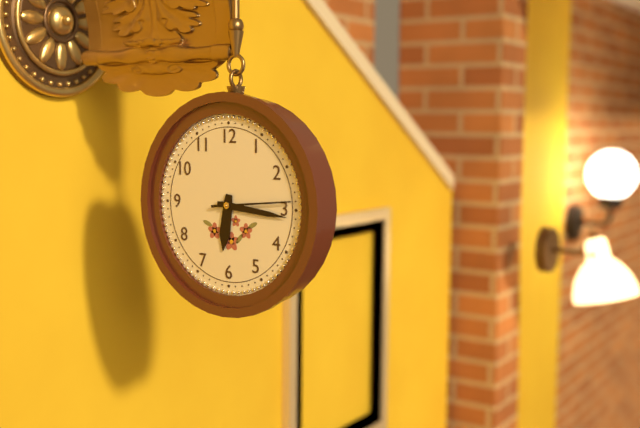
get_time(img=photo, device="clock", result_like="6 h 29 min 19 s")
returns 6 h 16 min 14 s
